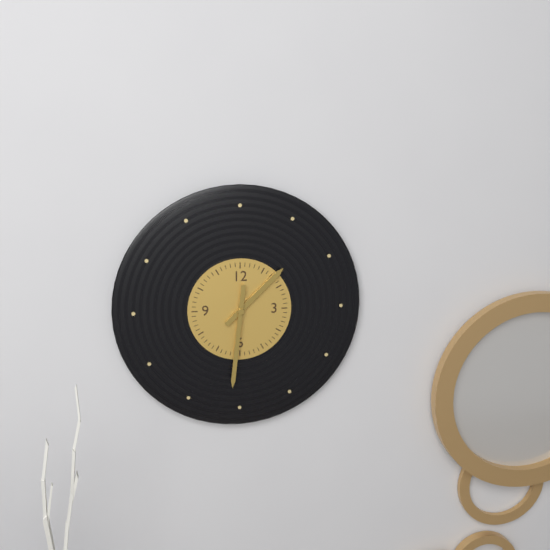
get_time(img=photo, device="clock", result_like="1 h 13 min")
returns 1 h 31 min
